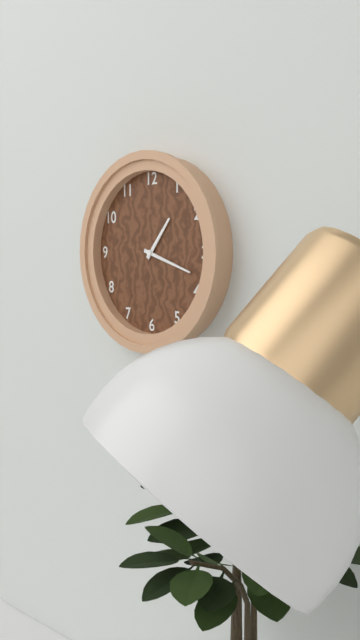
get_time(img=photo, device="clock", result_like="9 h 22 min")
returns 1 h 18 min
